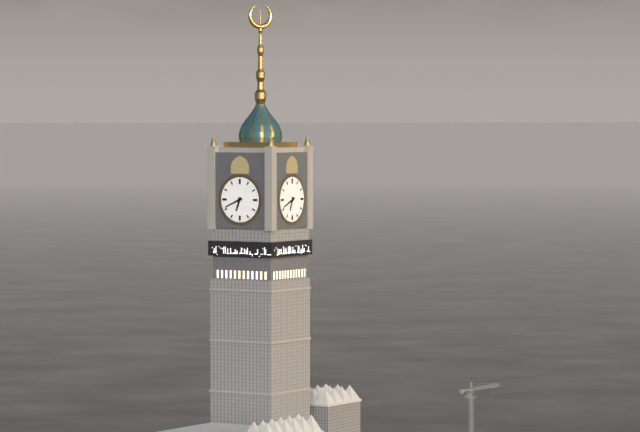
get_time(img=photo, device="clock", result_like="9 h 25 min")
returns 6 h 41 min
